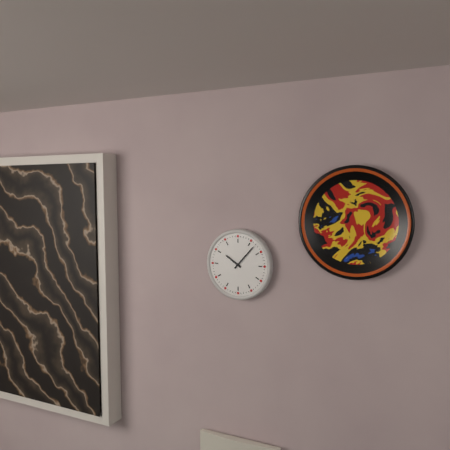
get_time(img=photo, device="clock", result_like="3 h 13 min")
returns 10 h 07 min
